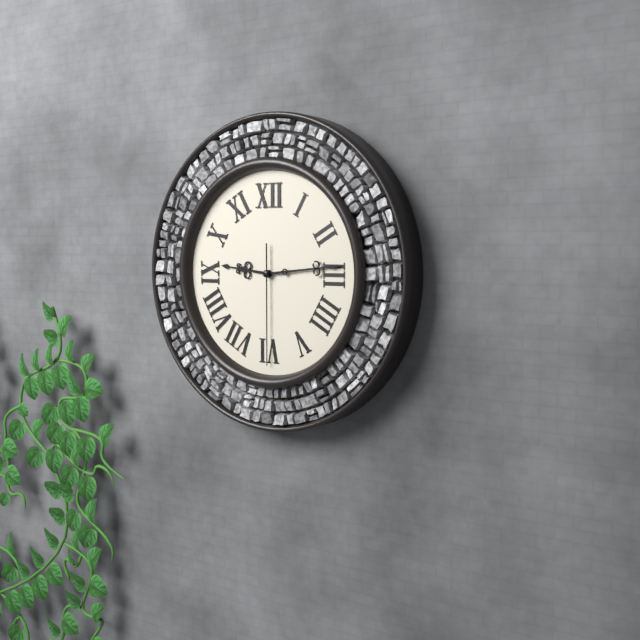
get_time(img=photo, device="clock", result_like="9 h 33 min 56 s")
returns 9 h 14 min 30 s
